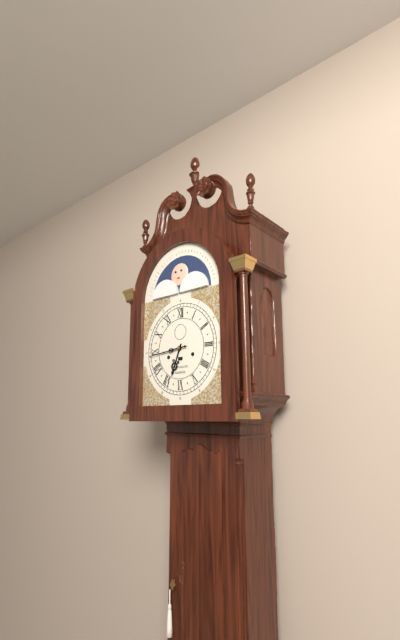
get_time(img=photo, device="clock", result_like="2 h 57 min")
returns 6 h 44 min
